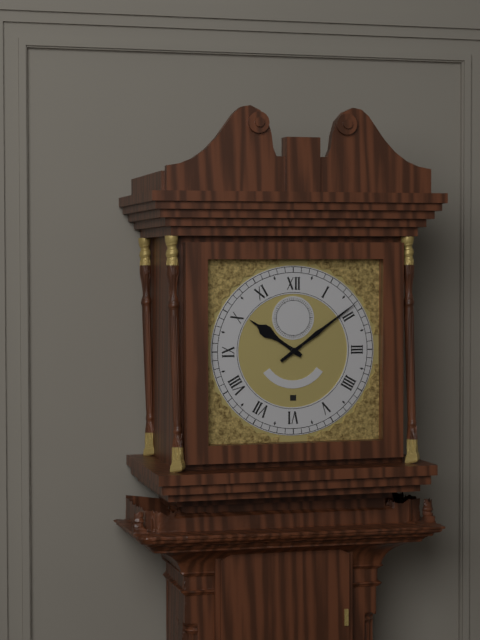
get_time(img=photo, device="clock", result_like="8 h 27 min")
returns 10 h 09 min
